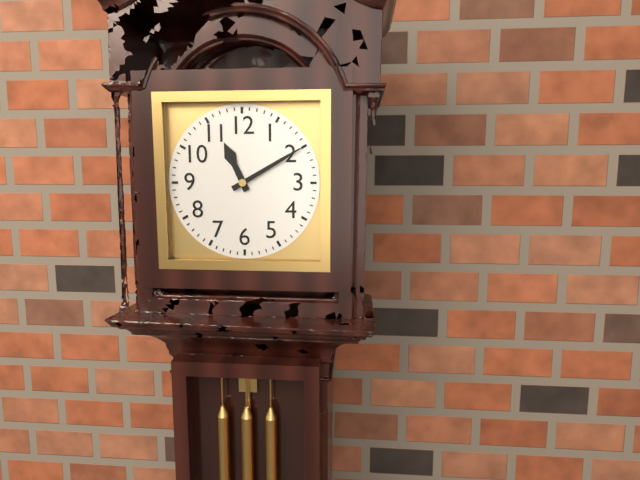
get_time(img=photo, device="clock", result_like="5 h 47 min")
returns 11 h 10 min
